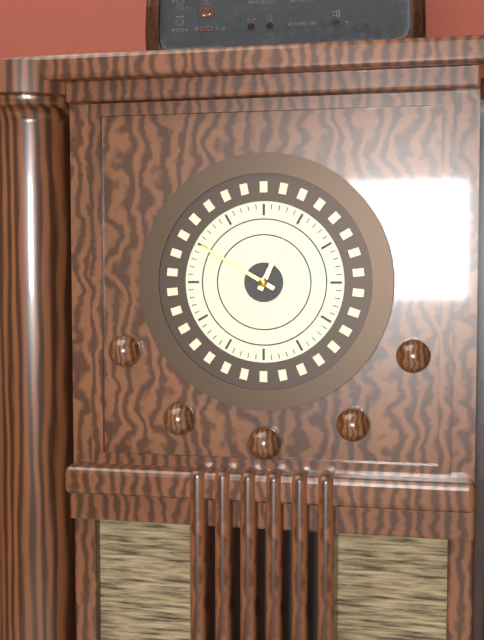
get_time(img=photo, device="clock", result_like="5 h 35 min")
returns 12 h 50 min
